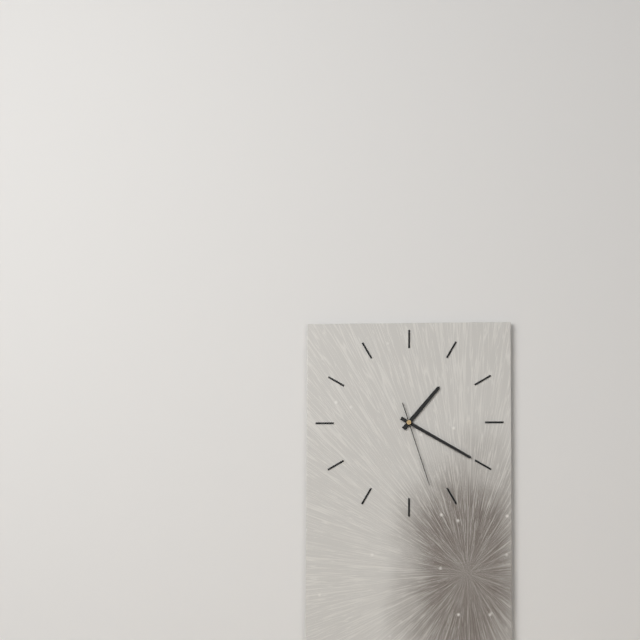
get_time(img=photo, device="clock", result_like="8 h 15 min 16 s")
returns 1 h 20 min 27 s
